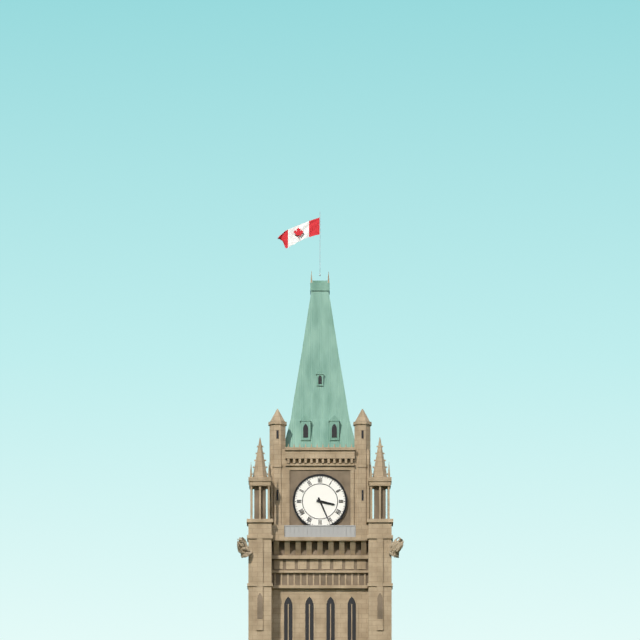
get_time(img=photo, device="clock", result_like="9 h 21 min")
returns 3 h 26 min
